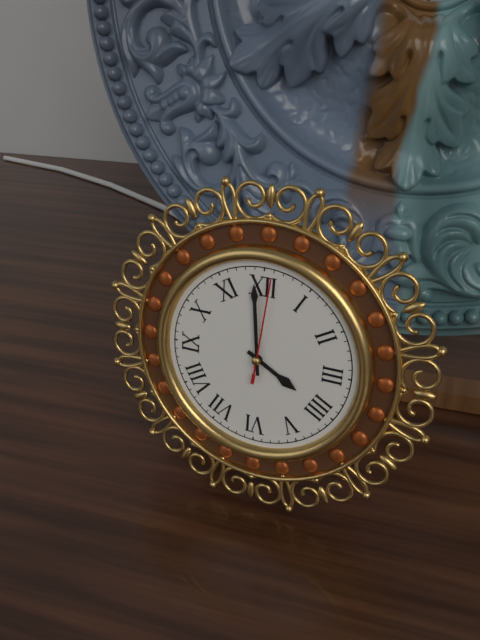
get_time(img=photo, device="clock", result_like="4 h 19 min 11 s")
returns 3 h 59 min 01 s
